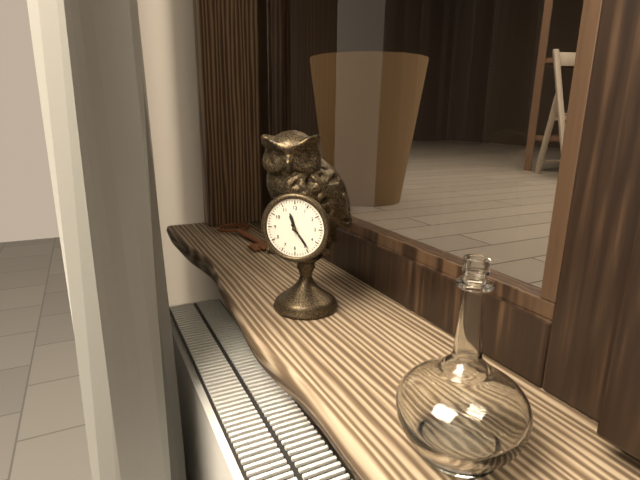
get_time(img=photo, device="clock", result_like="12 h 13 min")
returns 11 h 24 min
